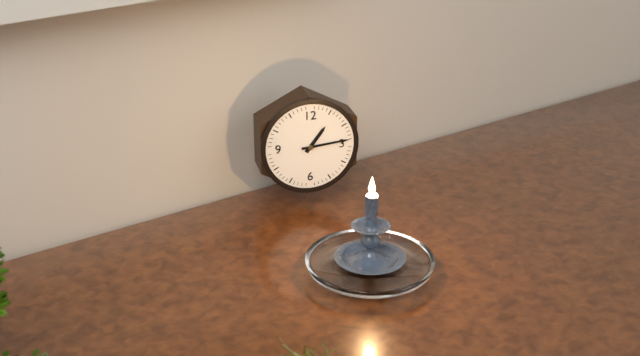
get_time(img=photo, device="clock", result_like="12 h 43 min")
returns 1 h 14 min
